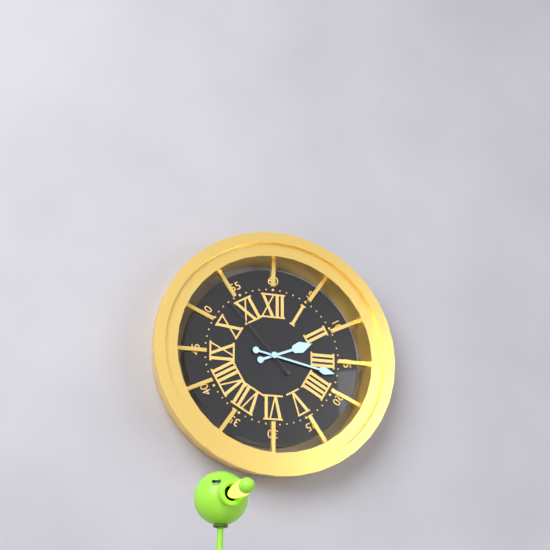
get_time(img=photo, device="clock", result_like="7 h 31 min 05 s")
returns 2 h 17 min 53 s
